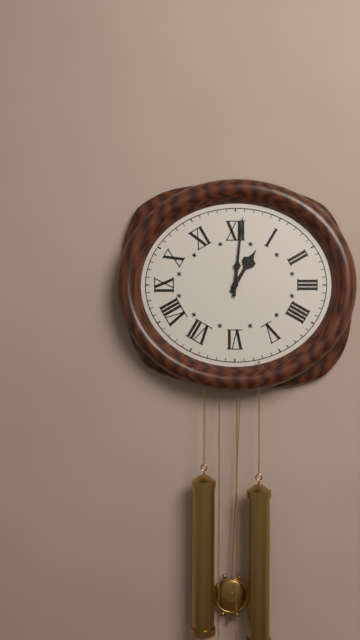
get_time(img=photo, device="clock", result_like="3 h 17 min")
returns 1 h 01 min
